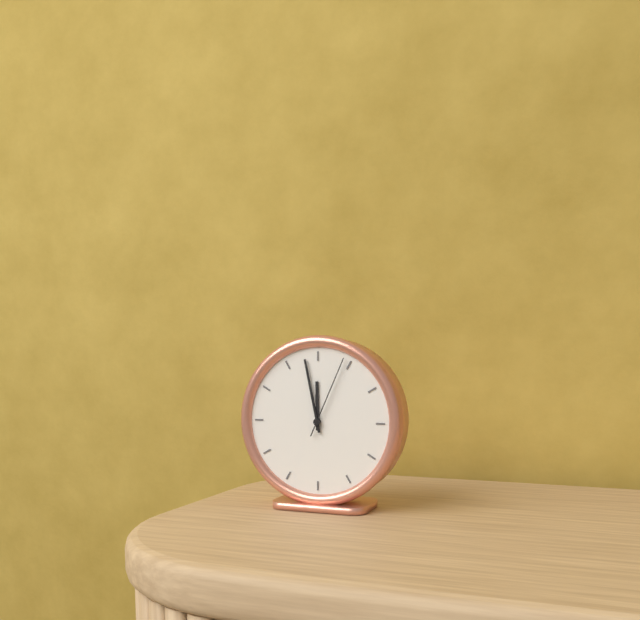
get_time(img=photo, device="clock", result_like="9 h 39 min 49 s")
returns 11 h 58 min 04 s
